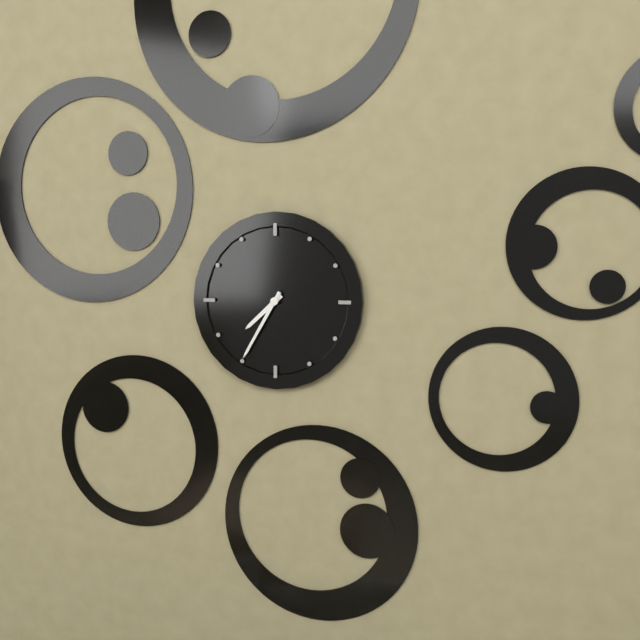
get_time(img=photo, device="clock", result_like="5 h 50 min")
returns 7 h 35 min
